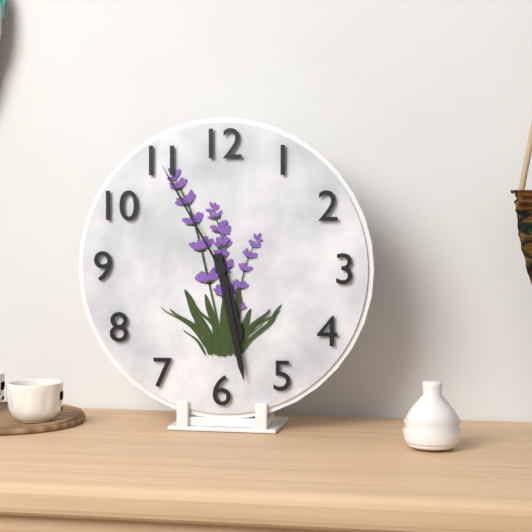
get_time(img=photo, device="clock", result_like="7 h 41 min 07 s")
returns 5 h 28 min 55 s
